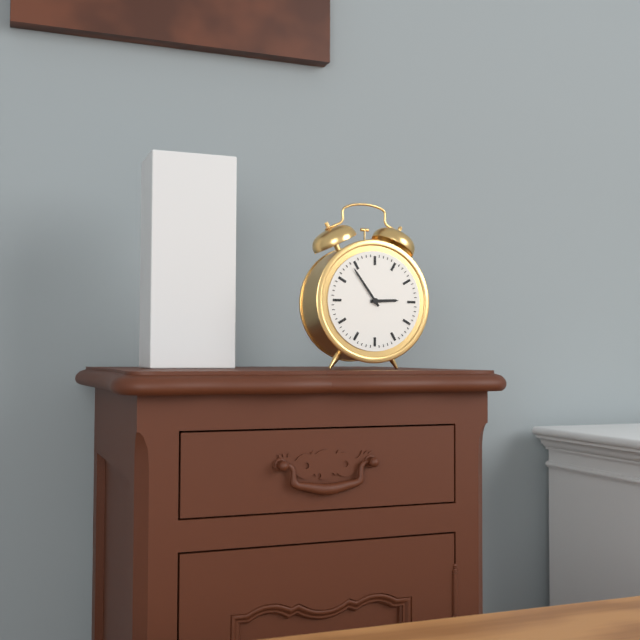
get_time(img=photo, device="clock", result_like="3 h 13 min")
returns 2 h 54 min
